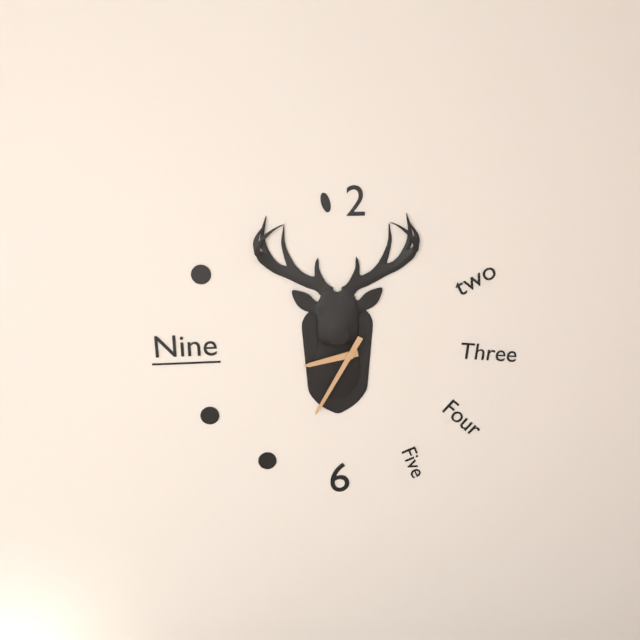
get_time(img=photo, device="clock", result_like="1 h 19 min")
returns 8 h 35 min
